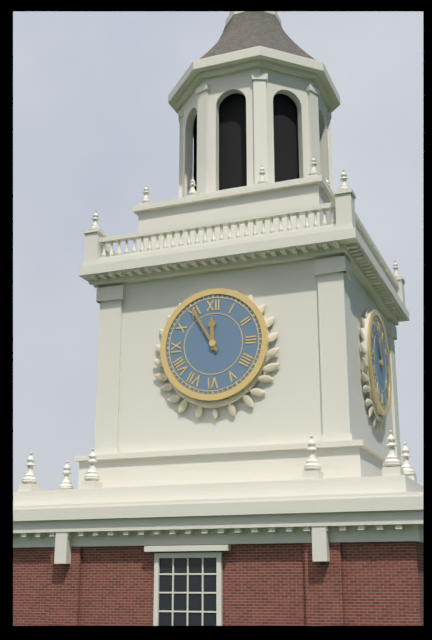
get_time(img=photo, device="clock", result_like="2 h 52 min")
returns 11 h 55 min
